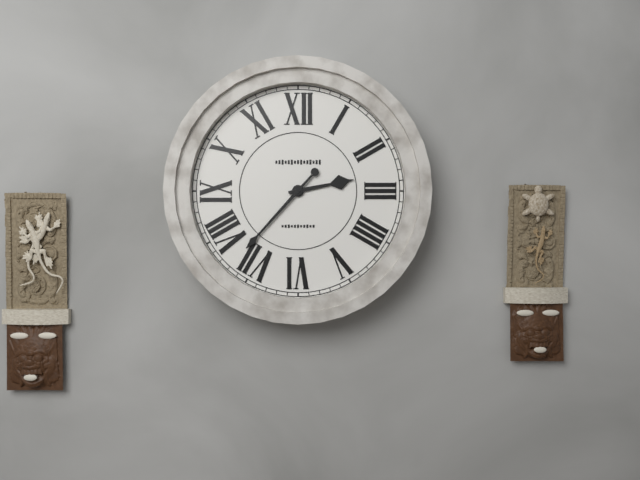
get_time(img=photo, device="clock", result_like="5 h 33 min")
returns 2 h 37 min
